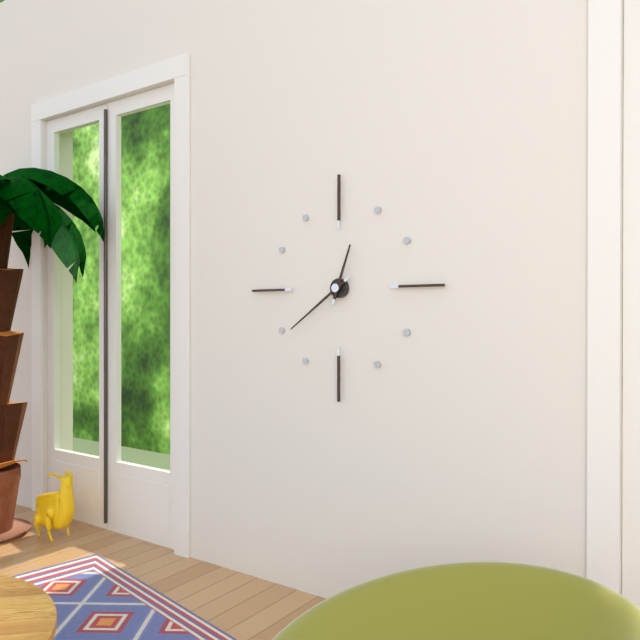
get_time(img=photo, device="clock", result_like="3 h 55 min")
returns 12 h 39 min
